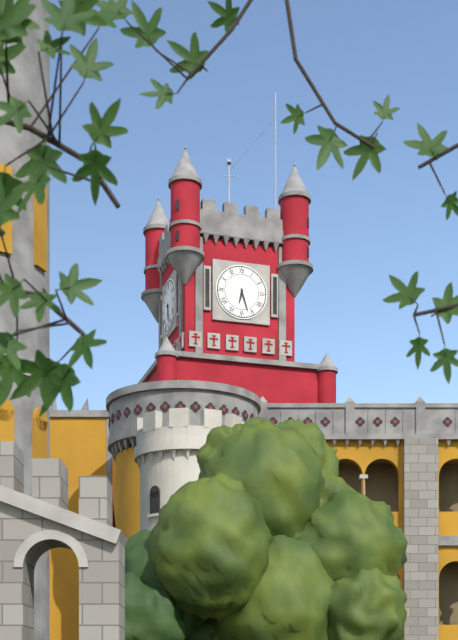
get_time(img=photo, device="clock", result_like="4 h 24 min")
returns 6 h 27 min
